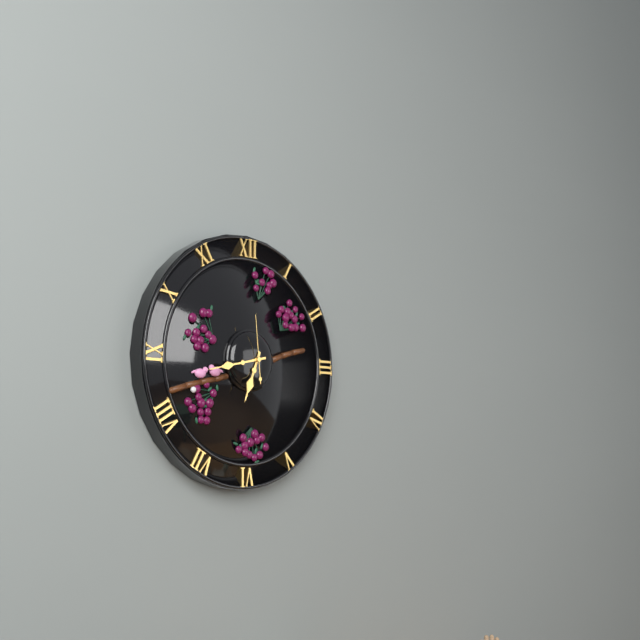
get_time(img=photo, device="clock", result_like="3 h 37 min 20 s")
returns 6 h 43 min 59 s
